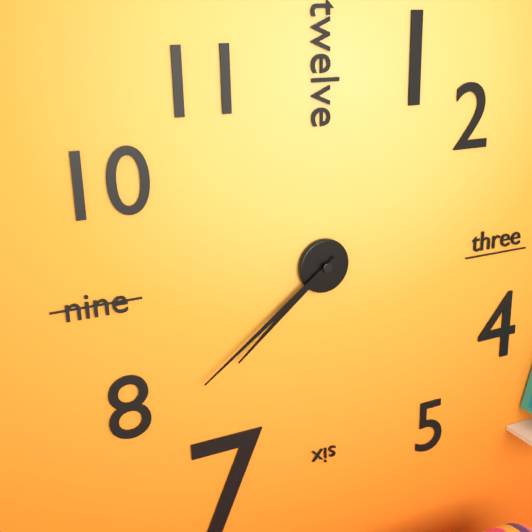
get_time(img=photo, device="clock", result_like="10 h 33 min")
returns 7 h 39 min
